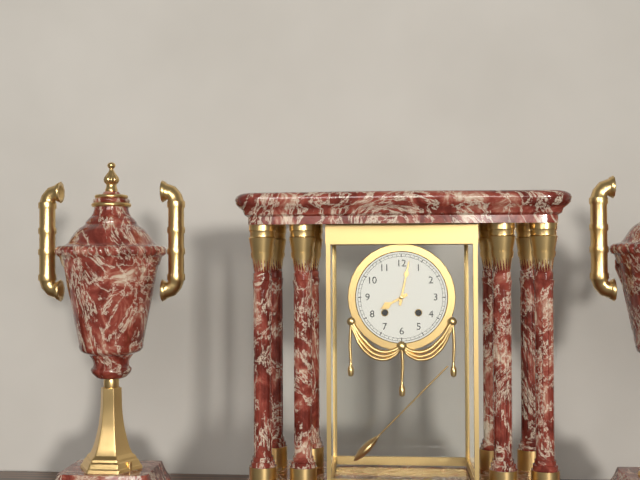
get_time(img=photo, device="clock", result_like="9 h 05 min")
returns 8 h 02 min
